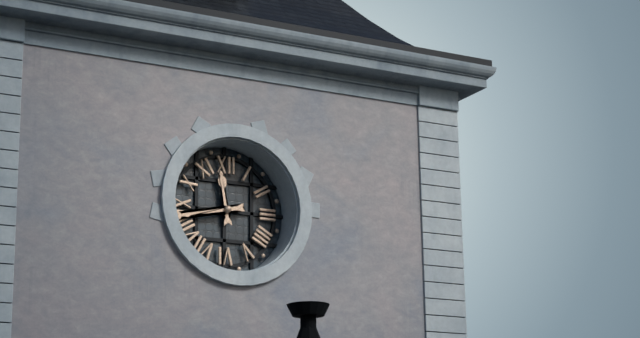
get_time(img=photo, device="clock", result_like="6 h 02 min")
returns 11 h 43 min
